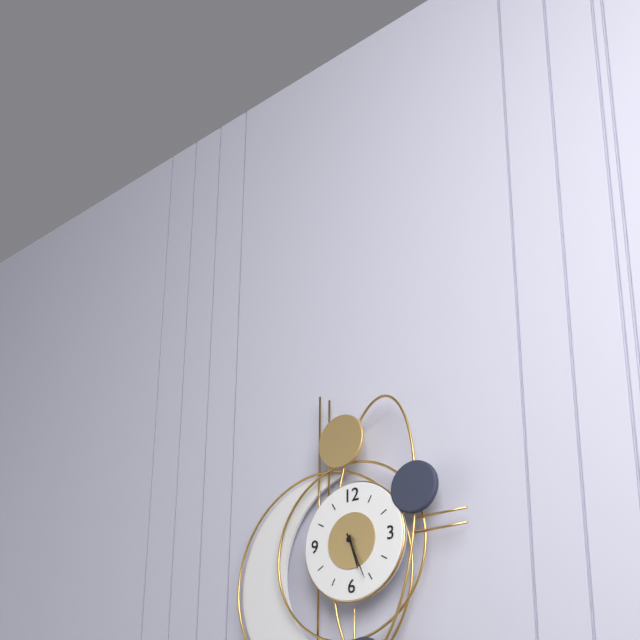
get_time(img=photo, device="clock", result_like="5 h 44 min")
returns 5 h 26 min
